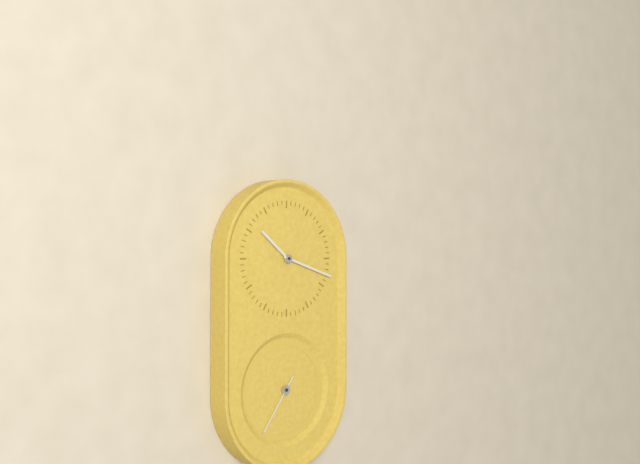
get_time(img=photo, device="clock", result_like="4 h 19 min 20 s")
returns 10 h 18 min 36 s
